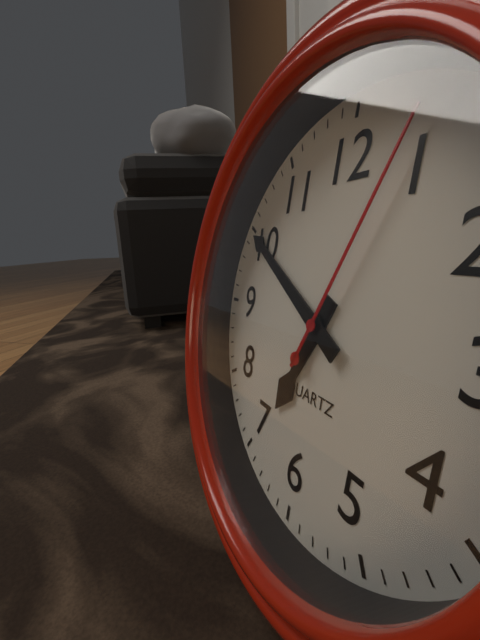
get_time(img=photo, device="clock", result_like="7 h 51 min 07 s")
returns 6 h 50 min 04 s
